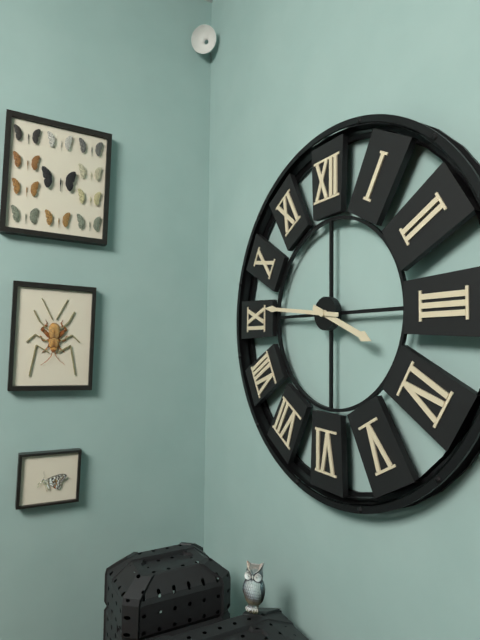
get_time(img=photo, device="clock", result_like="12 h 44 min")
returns 3 h 46 min
